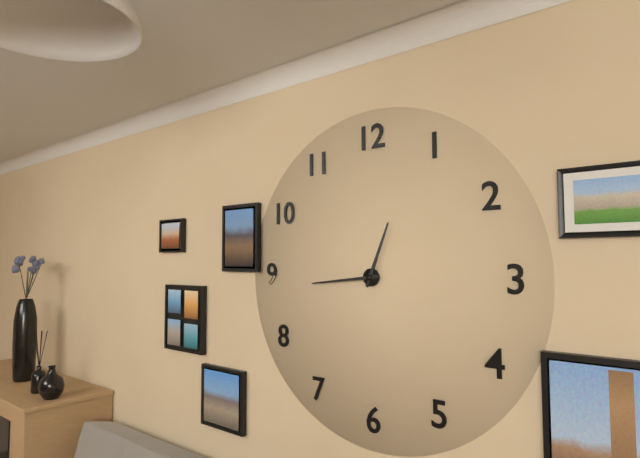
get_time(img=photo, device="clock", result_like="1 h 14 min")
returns 12 h 44 min
